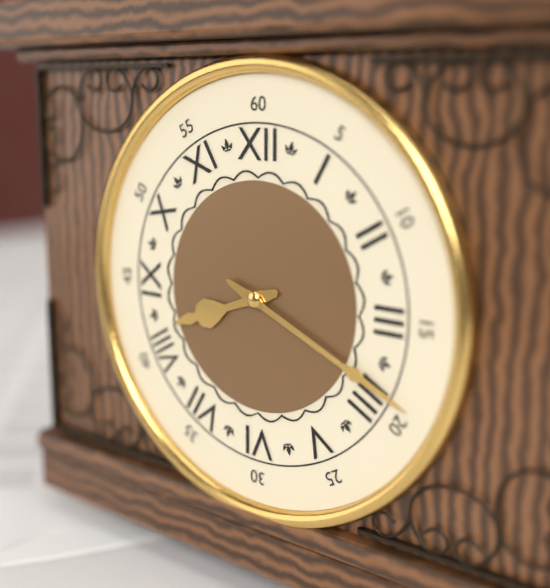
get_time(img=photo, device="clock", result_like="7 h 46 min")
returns 8 h 19 min
